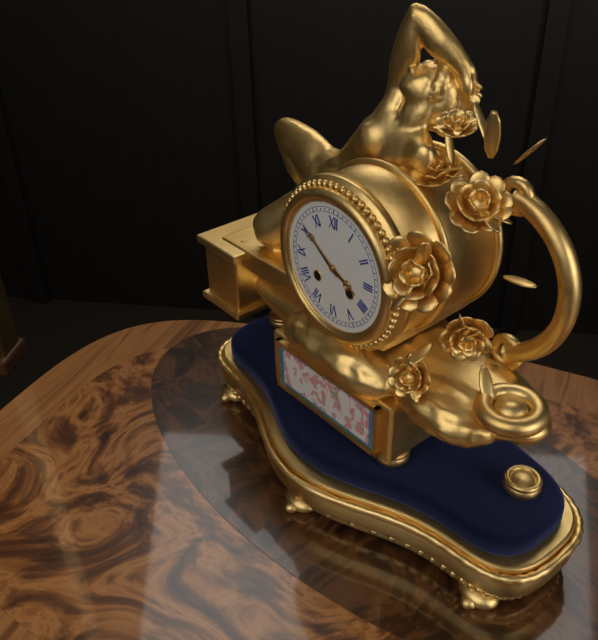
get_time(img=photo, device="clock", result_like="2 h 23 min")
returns 3 h 51 min
